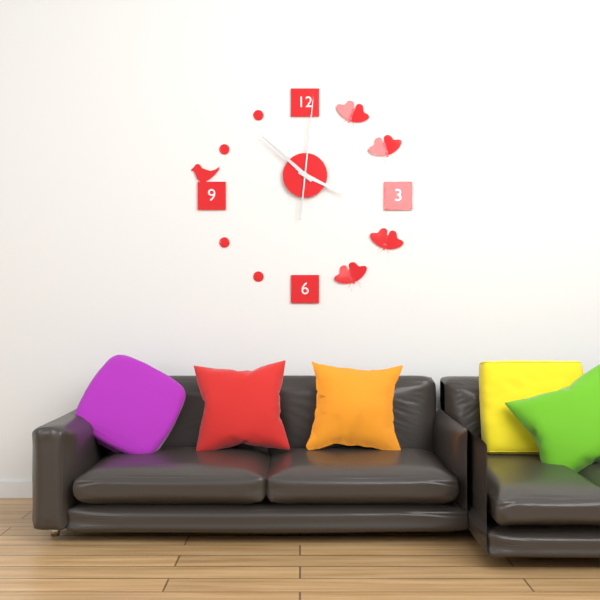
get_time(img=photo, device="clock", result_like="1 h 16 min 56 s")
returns 3 h 52 min 01 s
